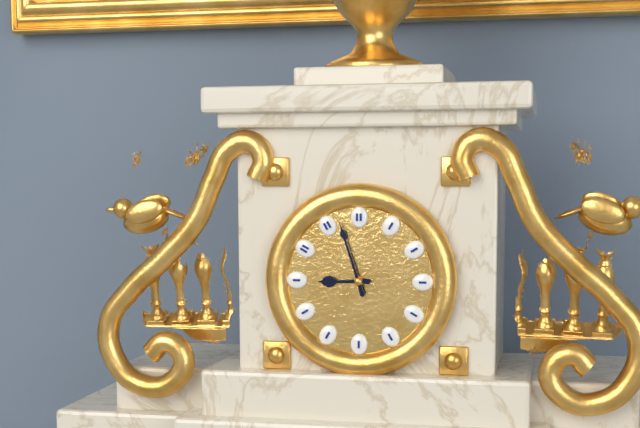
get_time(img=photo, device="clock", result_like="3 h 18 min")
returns 8 h 57 min
